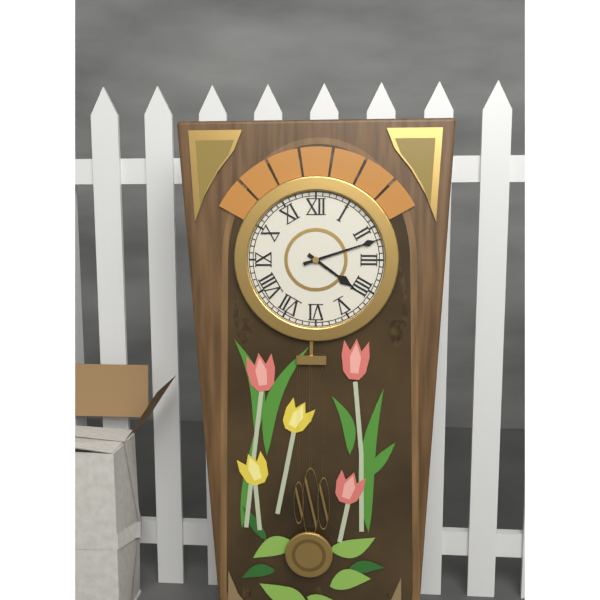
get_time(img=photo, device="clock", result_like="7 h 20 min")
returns 4 h 12 min
